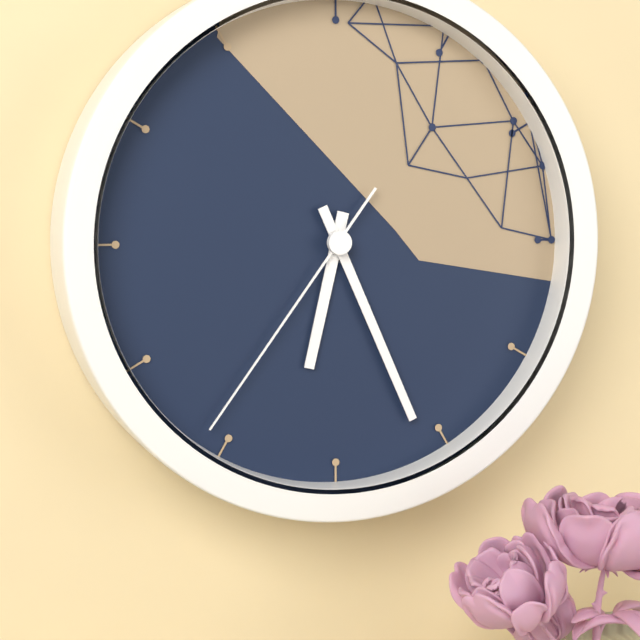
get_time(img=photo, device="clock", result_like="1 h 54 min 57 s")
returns 6 h 26 min 36 s
